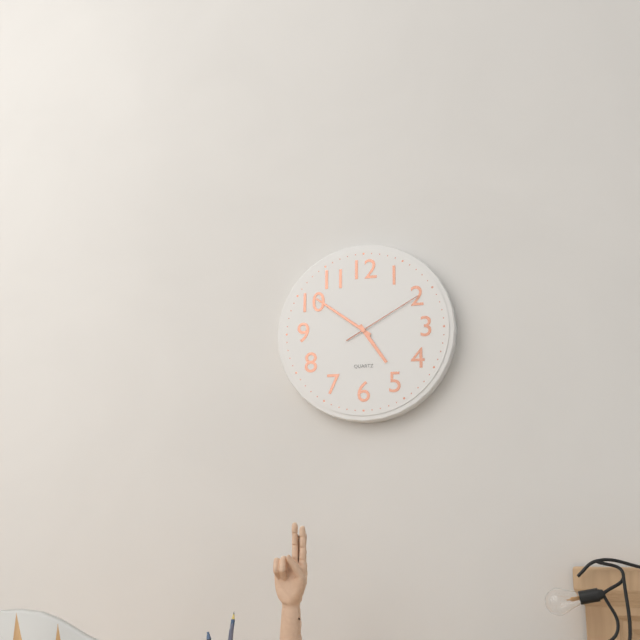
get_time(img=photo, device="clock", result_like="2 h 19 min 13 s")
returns 4 h 51 min 10 s
